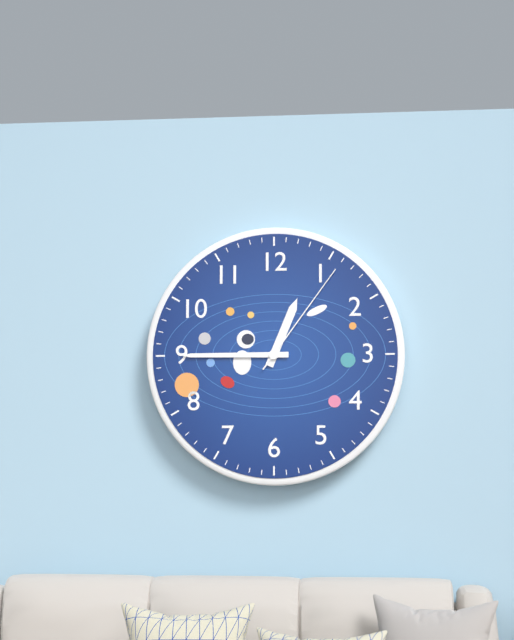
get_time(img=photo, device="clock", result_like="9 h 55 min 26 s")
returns 12 h 45 min 06 s
